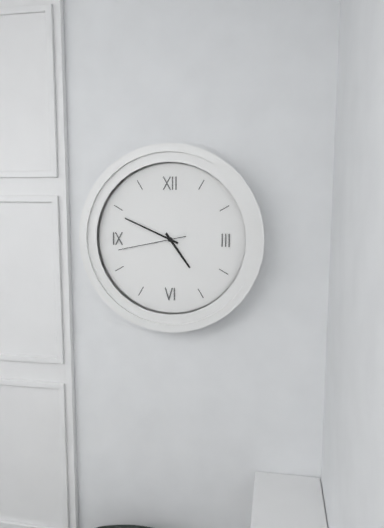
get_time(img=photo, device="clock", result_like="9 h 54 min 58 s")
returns 4 h 49 min 43 s
